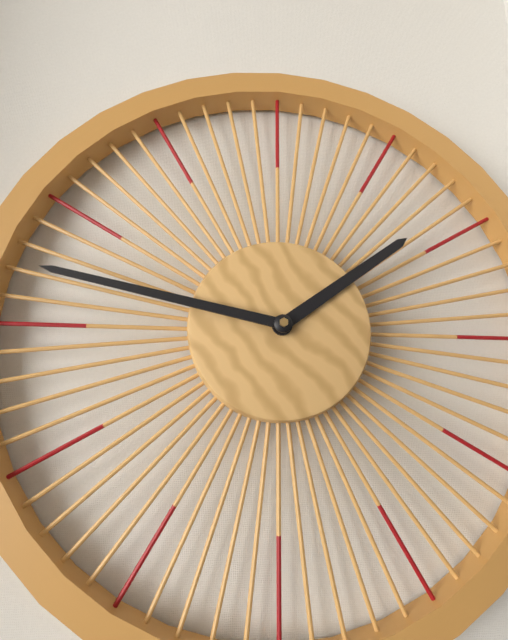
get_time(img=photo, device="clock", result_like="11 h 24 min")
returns 1 h 47 min
